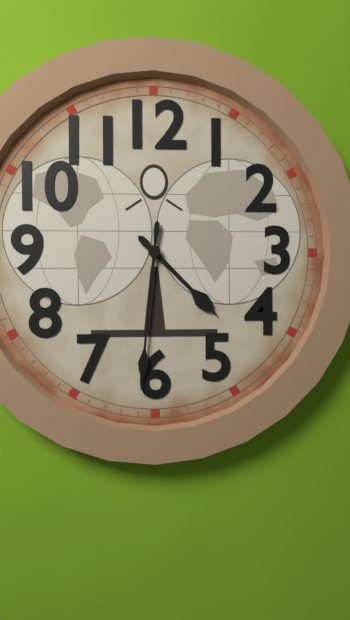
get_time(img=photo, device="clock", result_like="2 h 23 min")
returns 4 h 31 min
